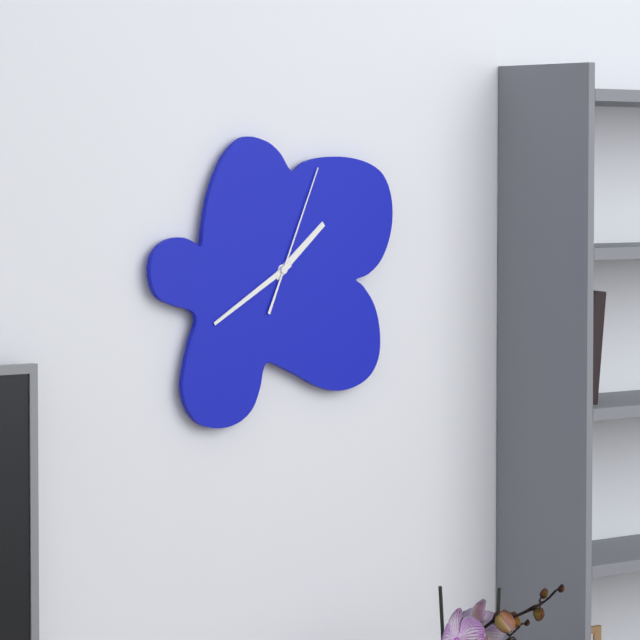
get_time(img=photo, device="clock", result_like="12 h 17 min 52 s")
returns 1 h 40 min 04 s
